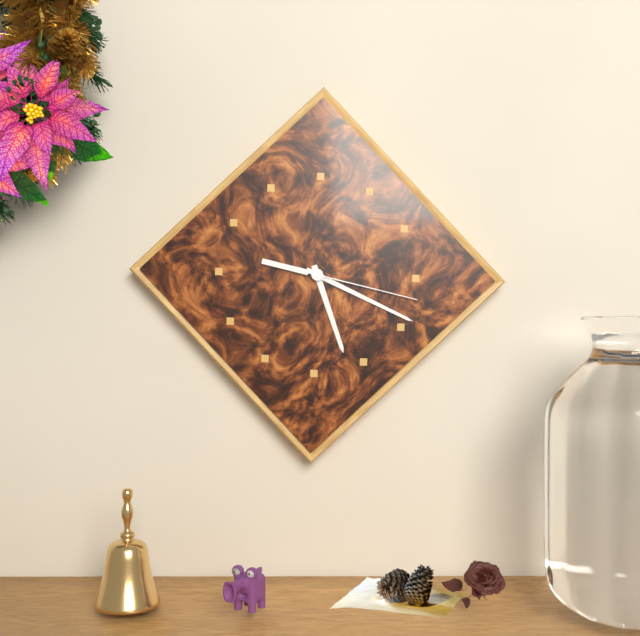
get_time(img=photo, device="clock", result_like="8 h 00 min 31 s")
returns 5 h 19 min 17 s
